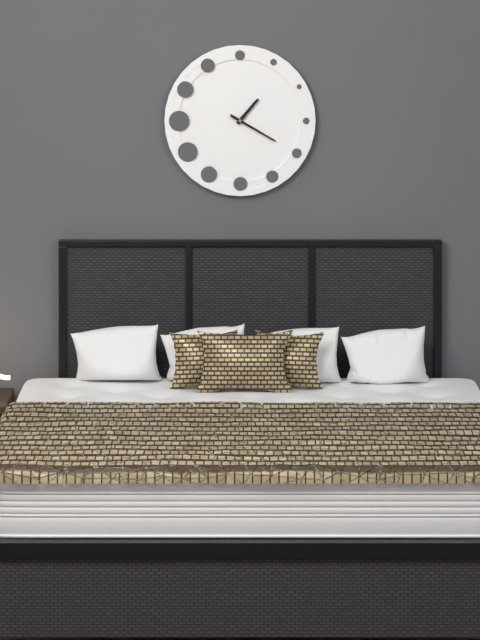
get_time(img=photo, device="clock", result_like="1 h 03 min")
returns 1 h 20 min
